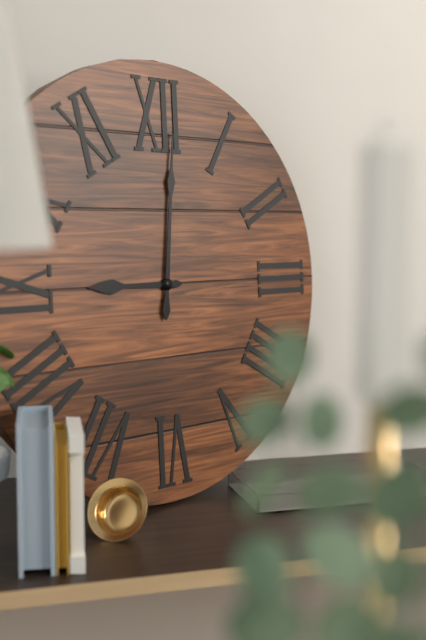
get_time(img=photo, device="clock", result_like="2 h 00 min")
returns 9 h 01 min
